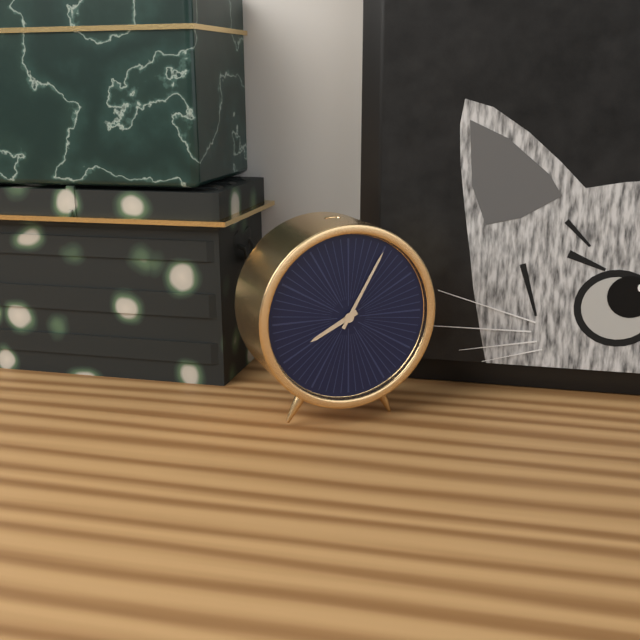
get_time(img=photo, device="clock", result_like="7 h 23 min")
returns 8 h 05 min
